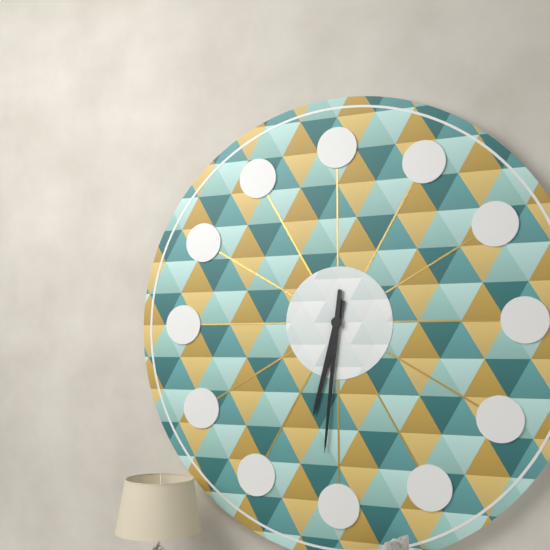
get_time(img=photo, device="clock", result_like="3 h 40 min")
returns 6 h 31 min
